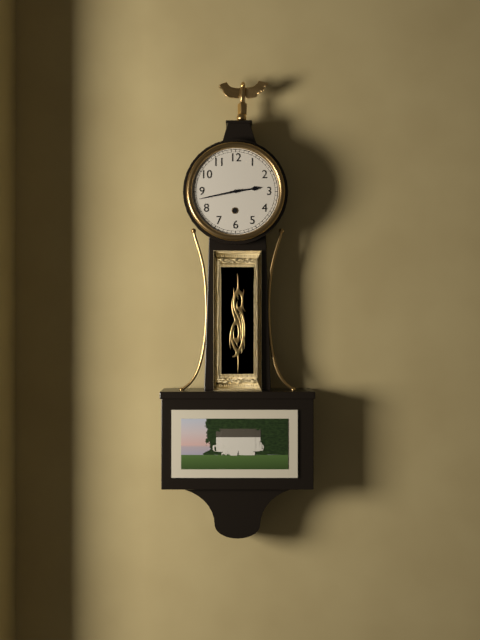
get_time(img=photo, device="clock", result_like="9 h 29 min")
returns 2 h 43 min
